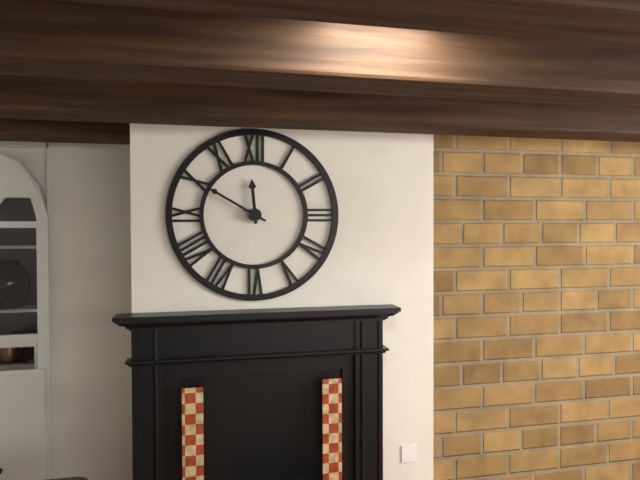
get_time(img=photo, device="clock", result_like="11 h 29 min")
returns 11 h 50 min
